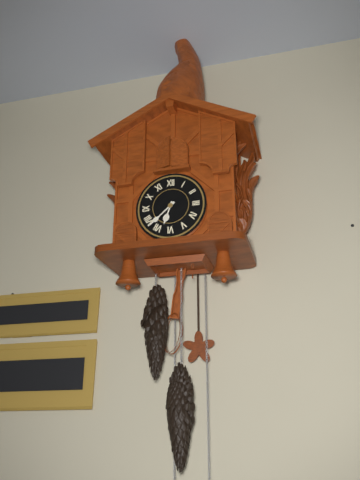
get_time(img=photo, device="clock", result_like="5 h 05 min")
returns 6 h 38 min
